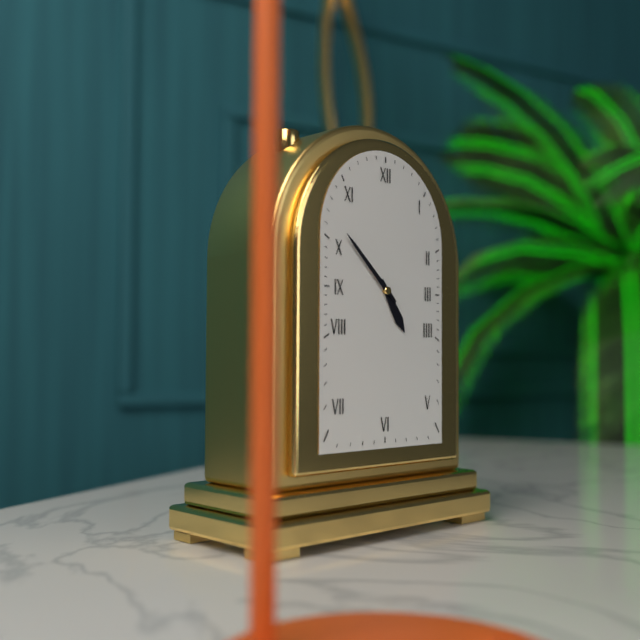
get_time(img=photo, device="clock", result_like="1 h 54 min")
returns 4 h 52 min
